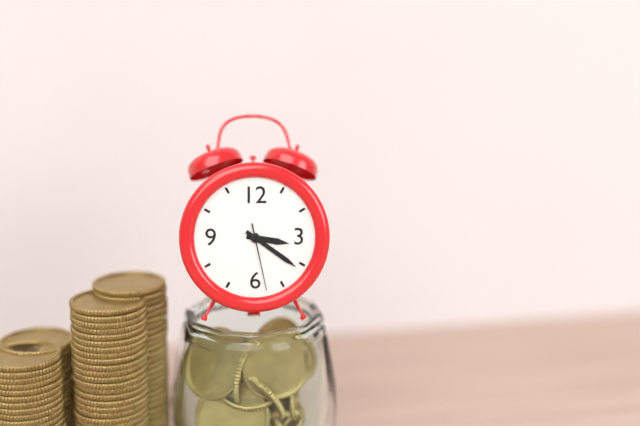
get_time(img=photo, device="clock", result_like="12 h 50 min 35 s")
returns 3 h 21 min 28 s
